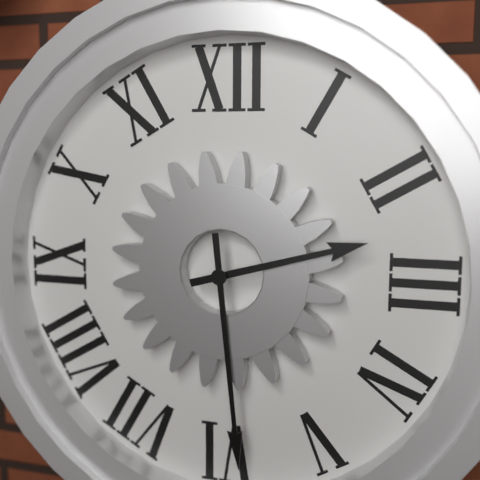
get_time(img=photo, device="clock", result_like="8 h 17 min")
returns 2 h 29 min
